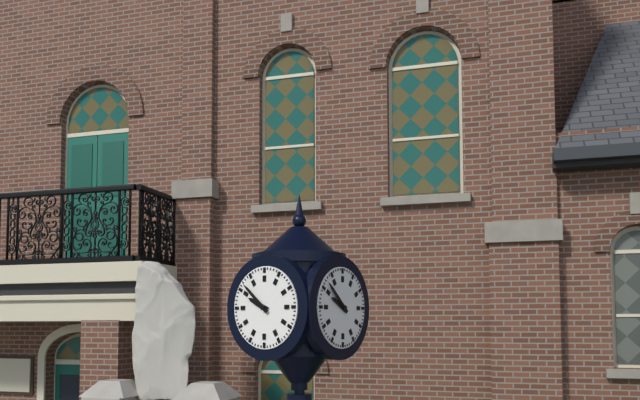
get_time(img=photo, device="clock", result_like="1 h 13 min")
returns 9 h 52 min
